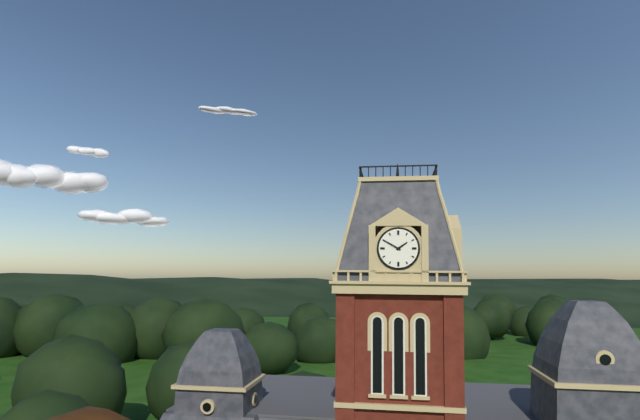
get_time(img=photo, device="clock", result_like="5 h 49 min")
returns 1 h 50 min
